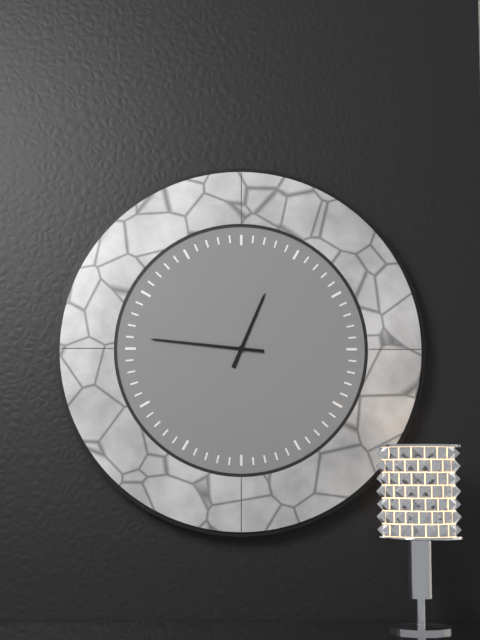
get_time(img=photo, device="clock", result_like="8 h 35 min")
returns 12 h 46 min
